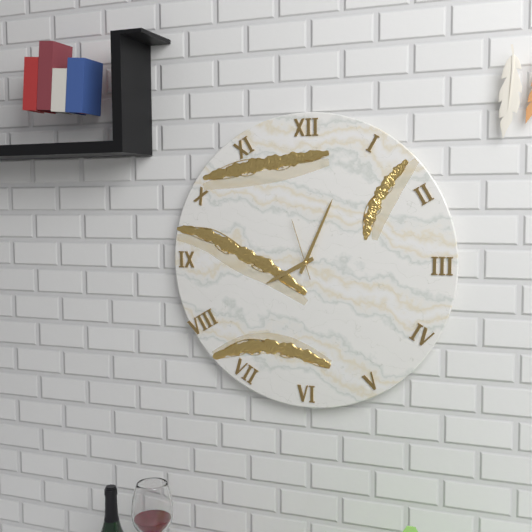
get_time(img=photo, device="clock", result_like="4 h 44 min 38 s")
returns 8 h 04 min 57 s
